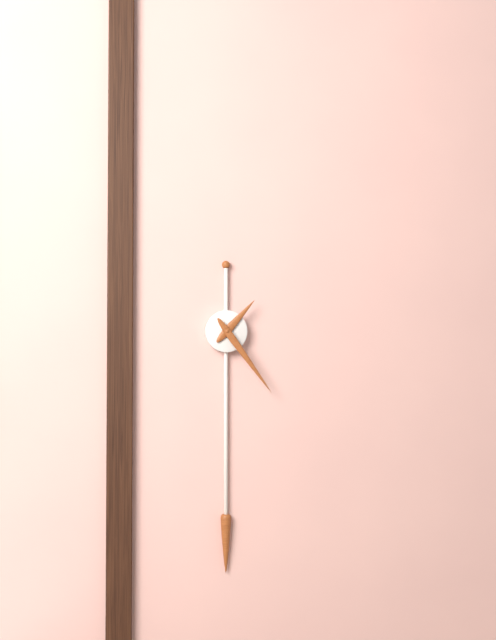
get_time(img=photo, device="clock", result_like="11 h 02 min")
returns 1 h 24 min
